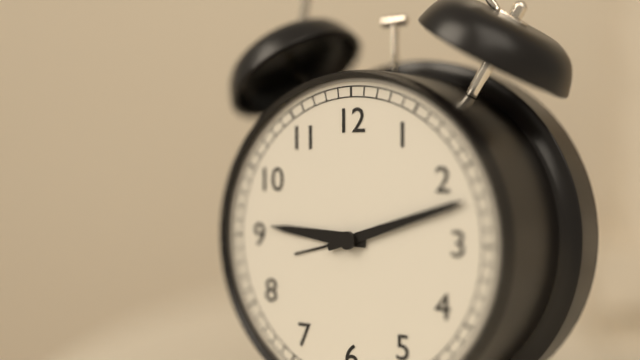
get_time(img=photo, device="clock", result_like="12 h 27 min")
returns 9 h 12 min
